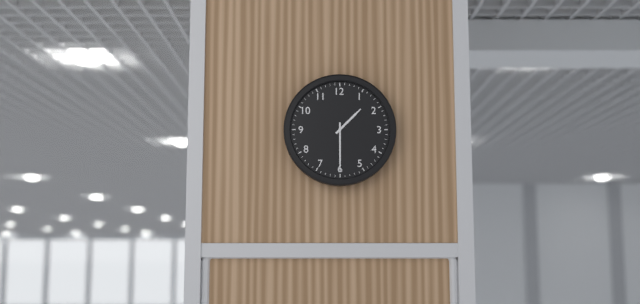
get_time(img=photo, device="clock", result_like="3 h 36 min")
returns 1 h 30 min
